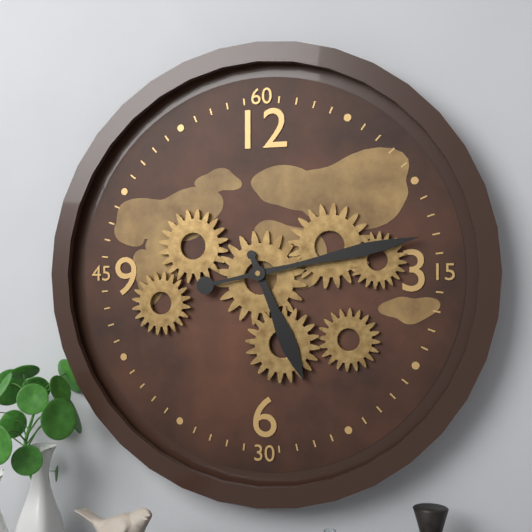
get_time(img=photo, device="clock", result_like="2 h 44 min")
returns 5 h 13 min
